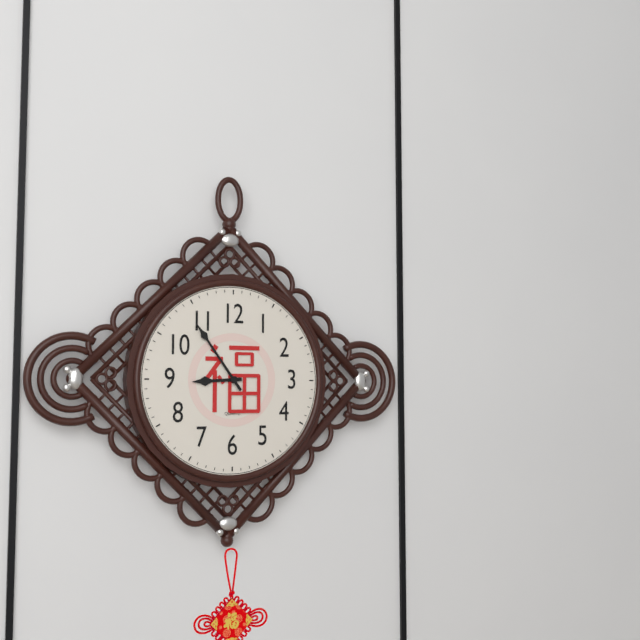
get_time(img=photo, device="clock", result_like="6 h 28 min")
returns 8 h 54 min
